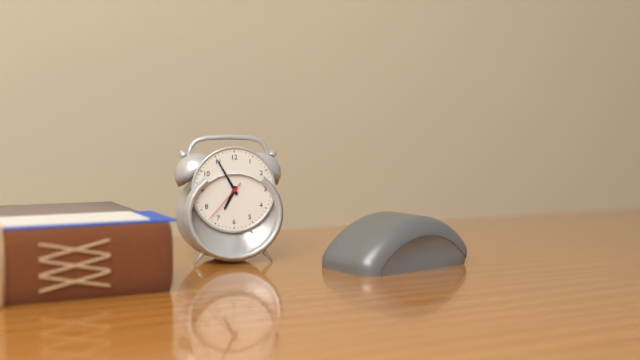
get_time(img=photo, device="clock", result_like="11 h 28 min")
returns 6 h 55 min
